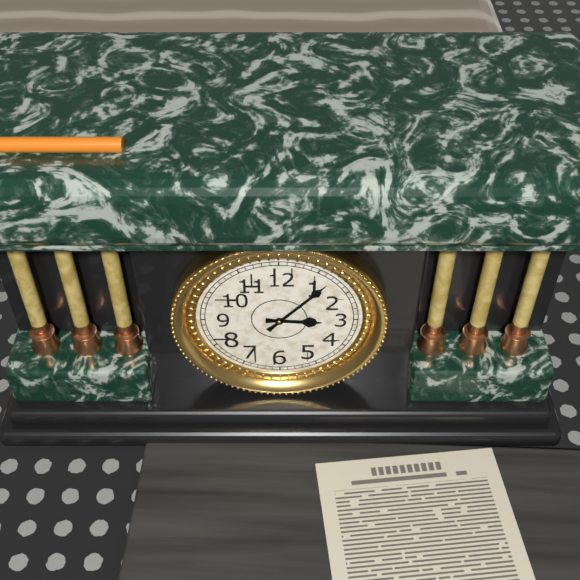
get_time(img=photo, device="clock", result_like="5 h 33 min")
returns 3 h 07 min
